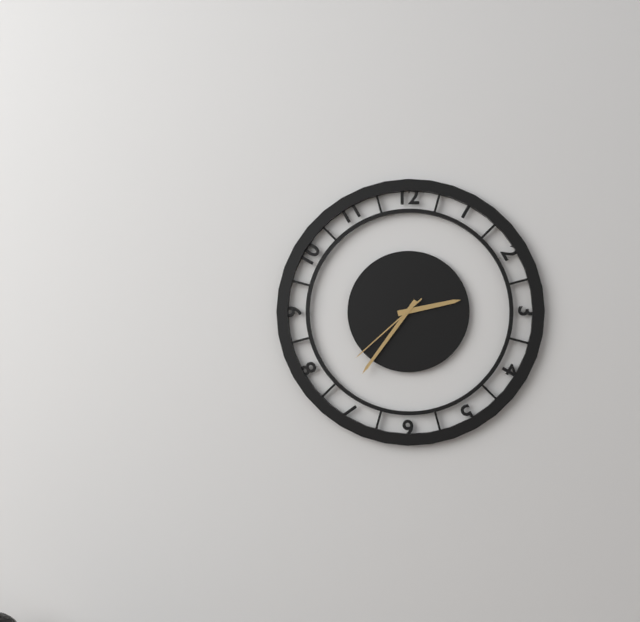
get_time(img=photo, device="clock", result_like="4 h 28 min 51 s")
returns 2 h 36 min 38 s
